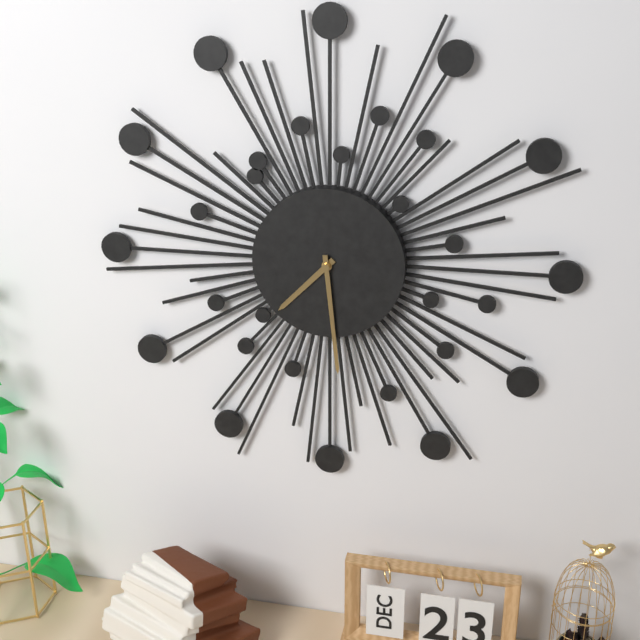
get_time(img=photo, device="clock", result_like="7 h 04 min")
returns 7 h 29 min
